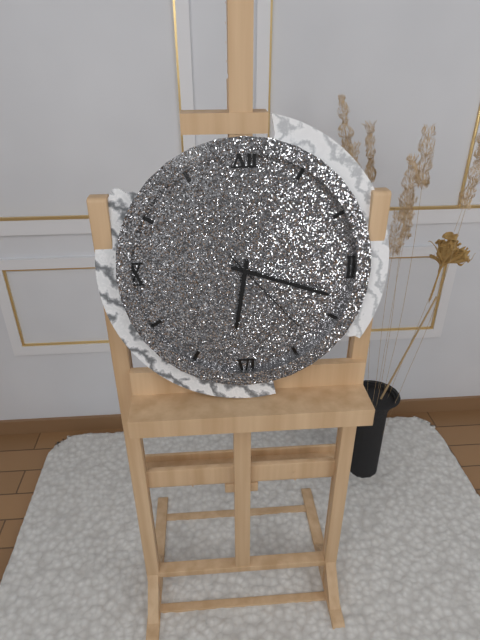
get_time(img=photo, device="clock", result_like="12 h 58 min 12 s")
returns 6 h 18 min 23 s
